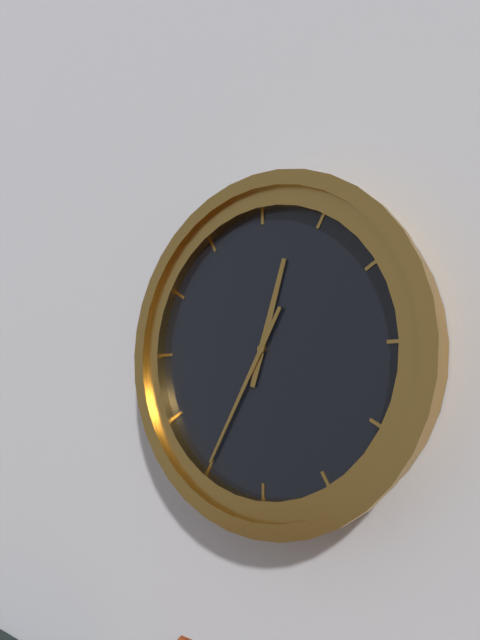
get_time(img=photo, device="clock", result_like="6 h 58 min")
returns 12 h 35 min
